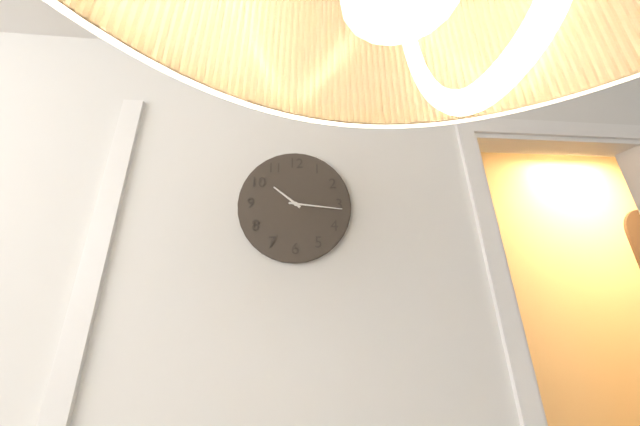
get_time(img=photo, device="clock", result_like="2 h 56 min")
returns 10 h 16 min
